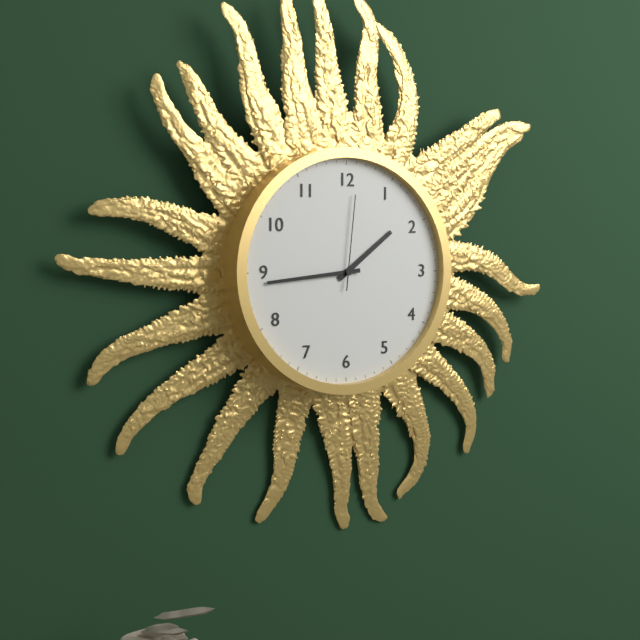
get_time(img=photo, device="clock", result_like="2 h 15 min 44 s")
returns 1 h 44 min 01 s
